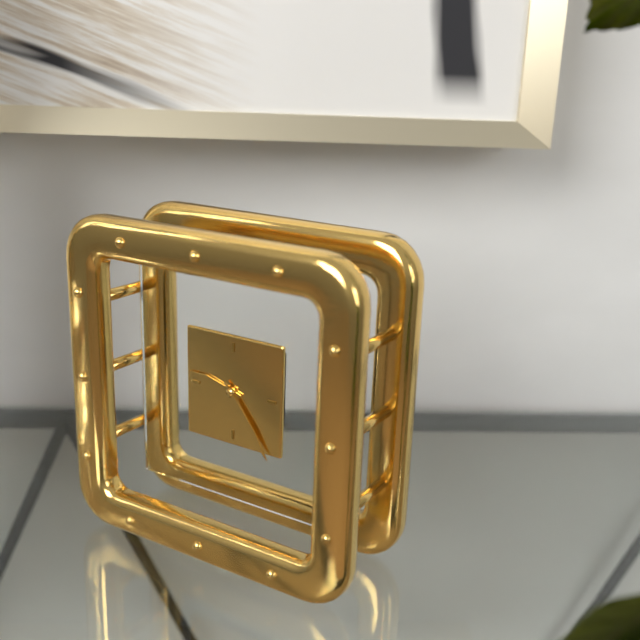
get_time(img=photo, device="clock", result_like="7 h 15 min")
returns 9 h 24 min
